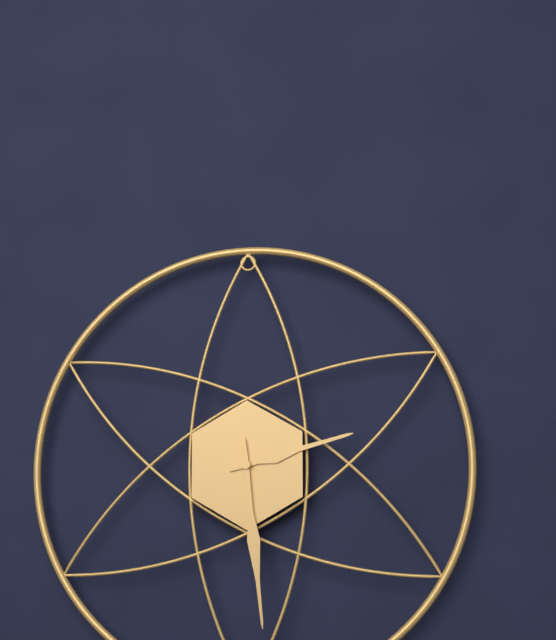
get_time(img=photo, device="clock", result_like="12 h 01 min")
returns 2 h 29 min
